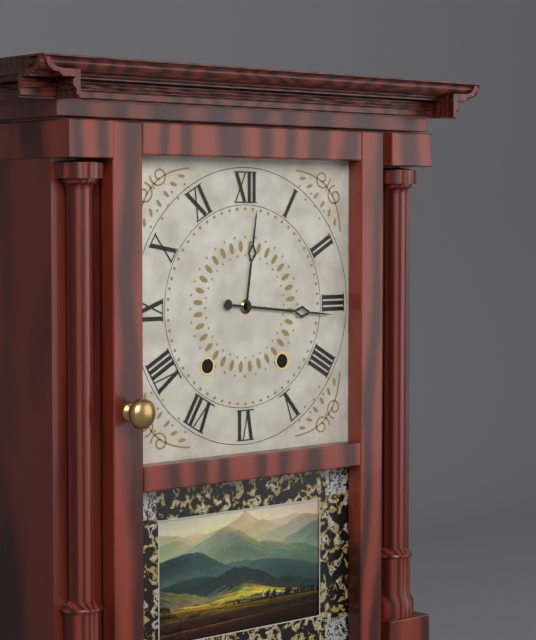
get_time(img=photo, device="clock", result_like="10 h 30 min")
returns 12 h 16 min
